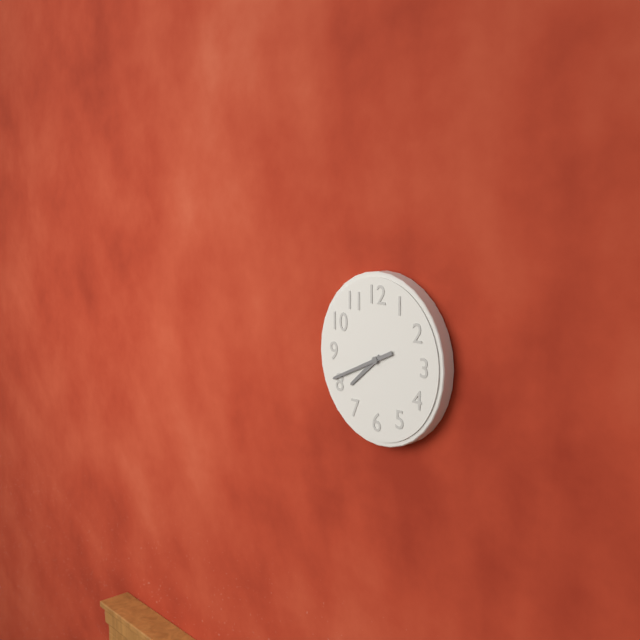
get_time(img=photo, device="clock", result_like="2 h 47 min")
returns 7 h 41 min
